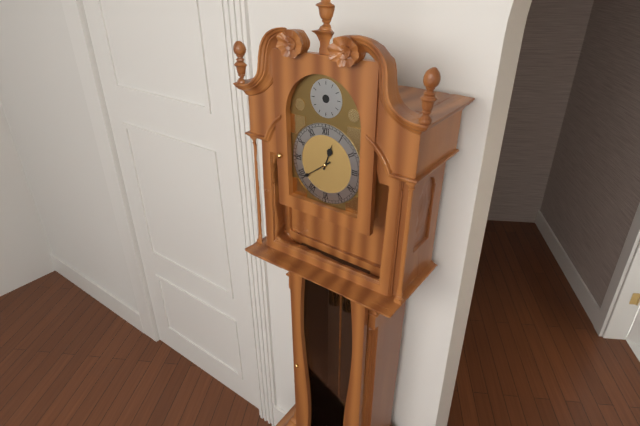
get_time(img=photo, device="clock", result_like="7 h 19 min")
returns 12 h 39 min
